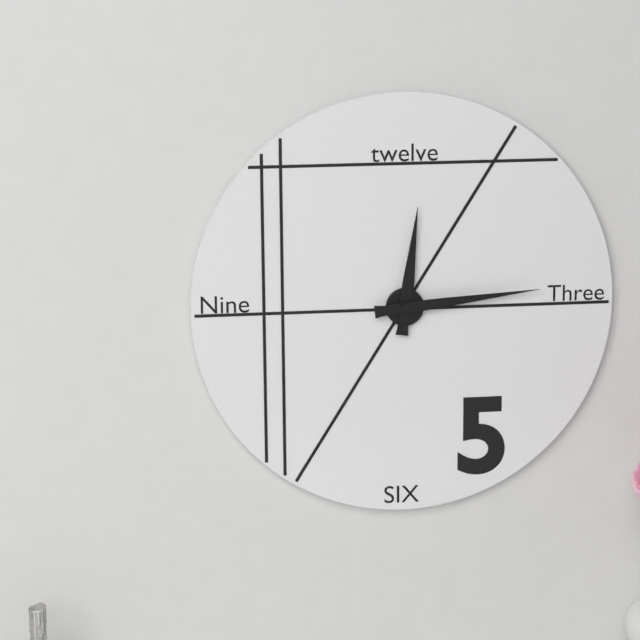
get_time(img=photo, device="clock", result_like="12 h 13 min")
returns 12 h 14 min
